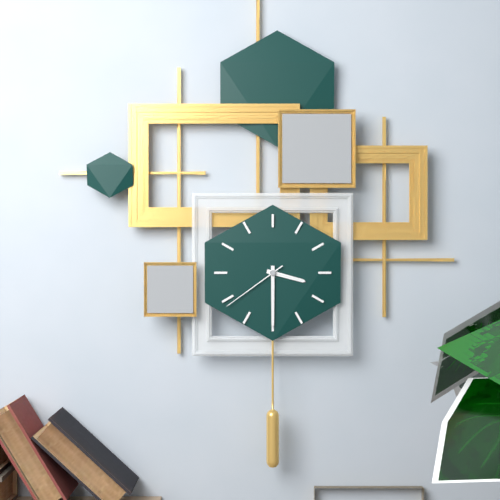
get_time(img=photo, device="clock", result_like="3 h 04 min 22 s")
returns 3 h 30 min 39 s
